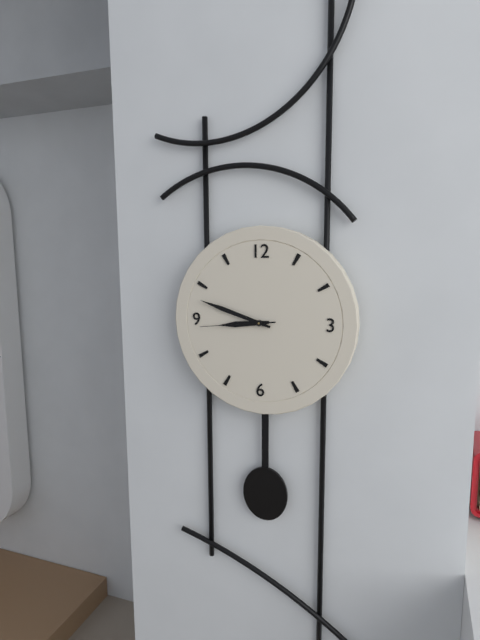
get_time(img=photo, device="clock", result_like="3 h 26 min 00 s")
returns 8 h 48 min 44 s
